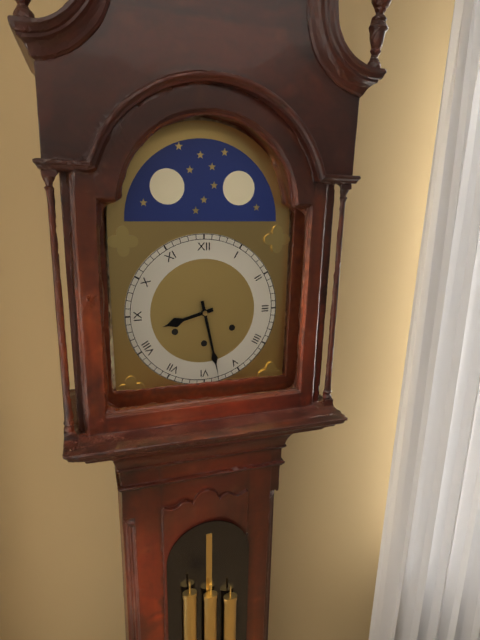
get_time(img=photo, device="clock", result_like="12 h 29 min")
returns 8 h 28 min
